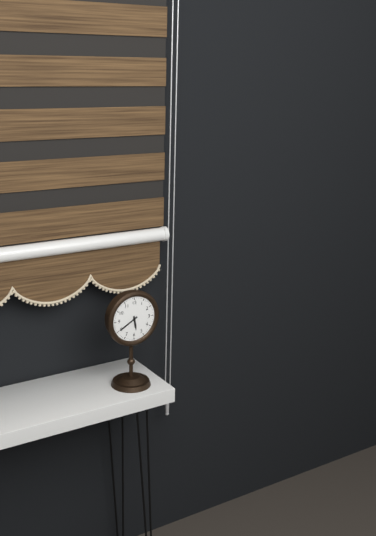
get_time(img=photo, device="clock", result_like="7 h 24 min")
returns 5 h 40 min
